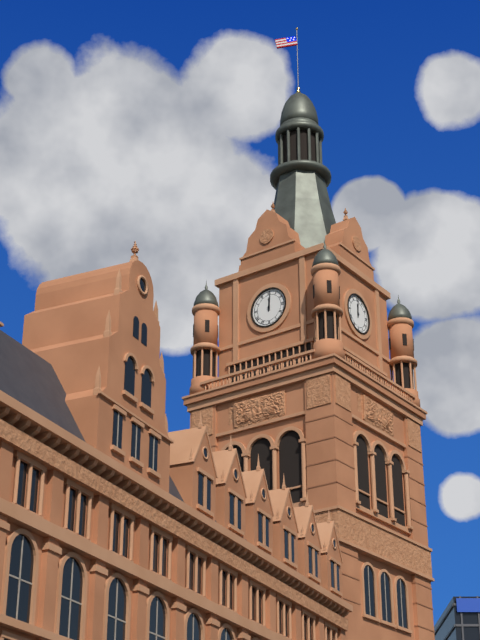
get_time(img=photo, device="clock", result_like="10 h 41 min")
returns 12 h 01 min
